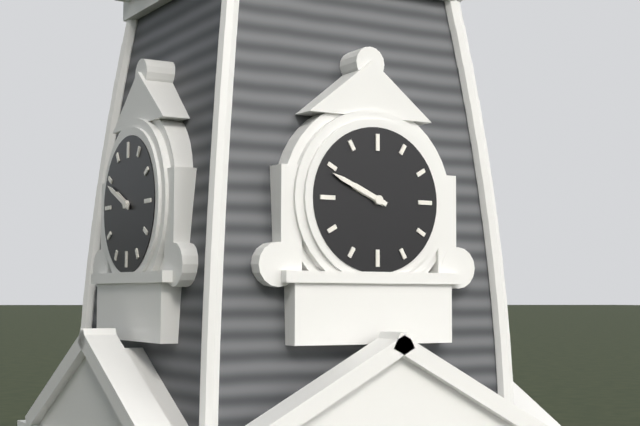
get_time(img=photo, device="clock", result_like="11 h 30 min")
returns 9 h 49 min
